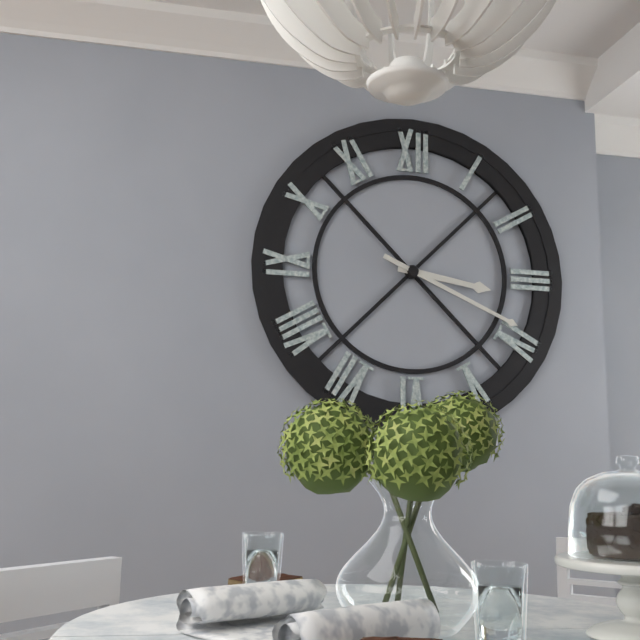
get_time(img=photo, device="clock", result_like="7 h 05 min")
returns 3 h 19 min
